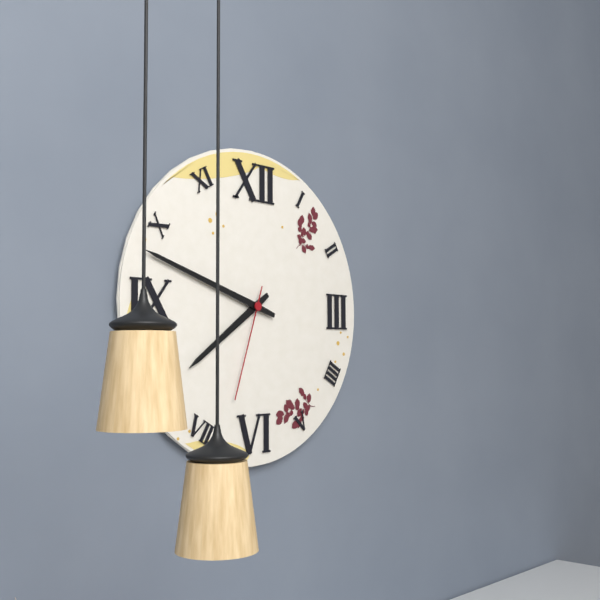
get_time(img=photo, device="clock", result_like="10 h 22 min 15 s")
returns 7 h 48 min 33 s
